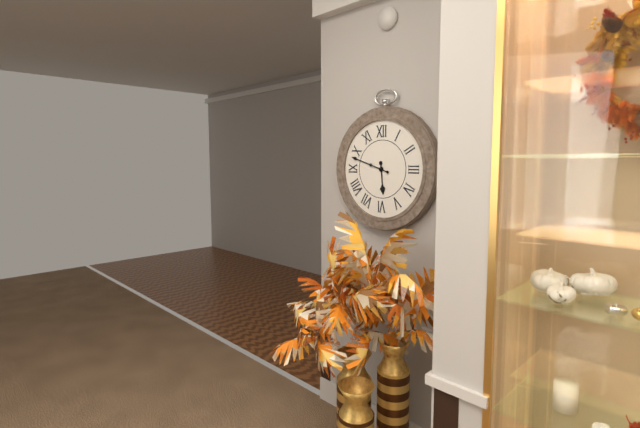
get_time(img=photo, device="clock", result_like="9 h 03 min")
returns 5 h 48 min
